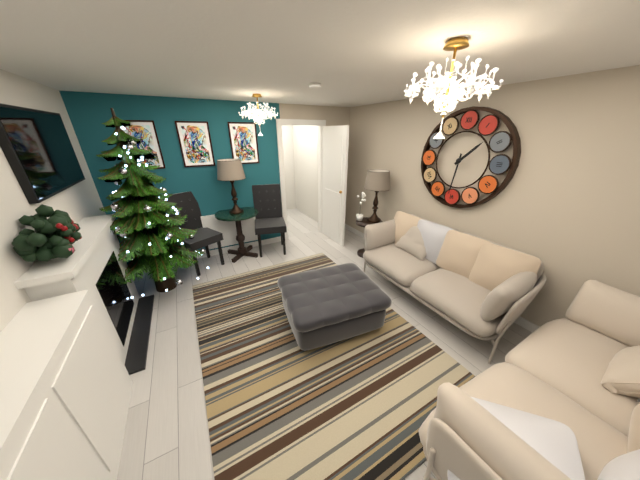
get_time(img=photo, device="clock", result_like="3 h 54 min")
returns 1 h 31 min
